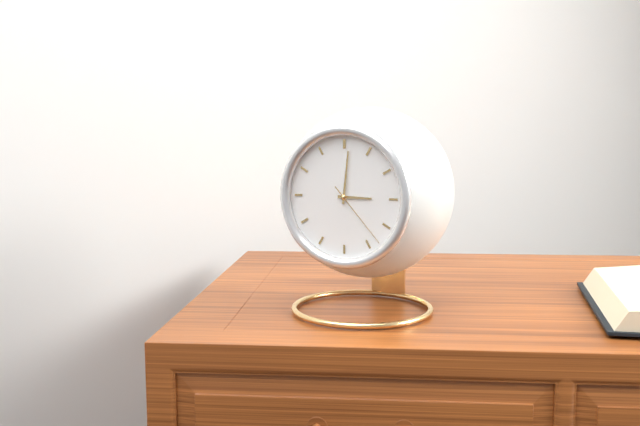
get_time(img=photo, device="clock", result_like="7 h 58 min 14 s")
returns 3 h 01 min 23 s
